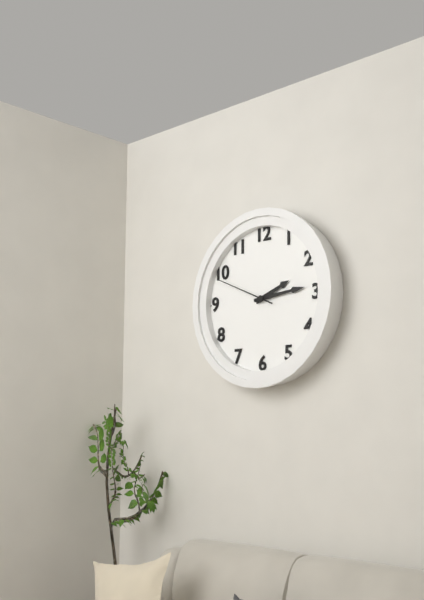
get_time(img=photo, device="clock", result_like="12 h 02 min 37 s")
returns 2 h 14 min 49 s
